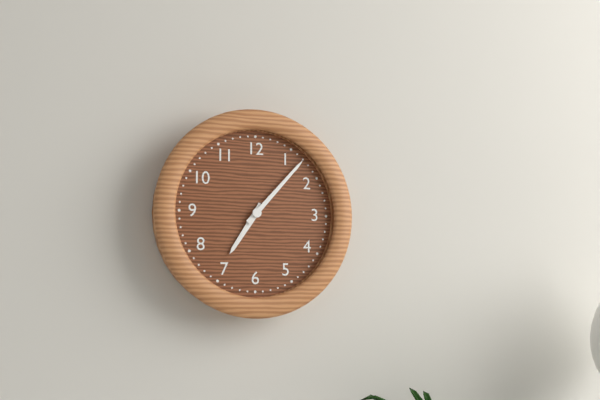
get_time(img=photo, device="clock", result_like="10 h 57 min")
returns 7 h 07 min
